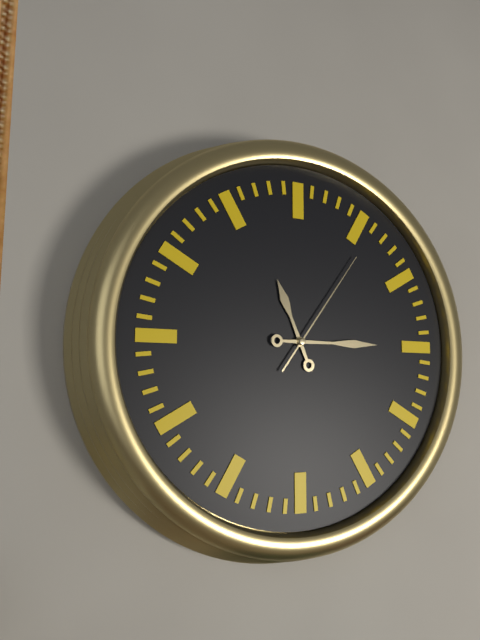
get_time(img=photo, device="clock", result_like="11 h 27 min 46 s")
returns 11 h 15 min 06 s
